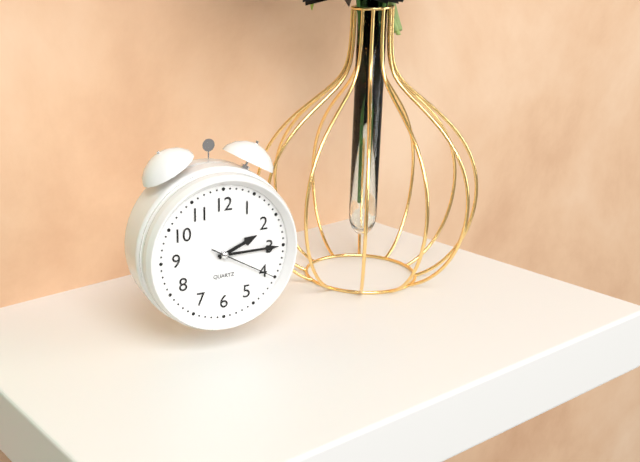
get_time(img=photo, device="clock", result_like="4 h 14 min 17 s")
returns 2 h 15 min 20 s
